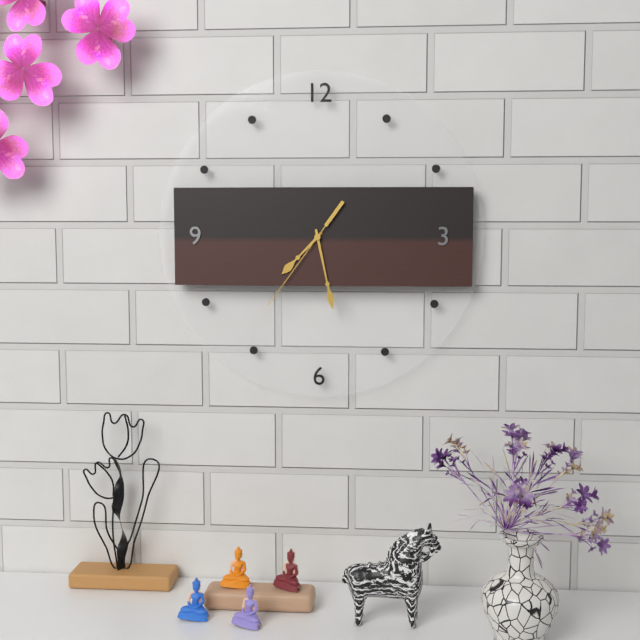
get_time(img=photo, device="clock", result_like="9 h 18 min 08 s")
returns 7 h 28 min 36 s
